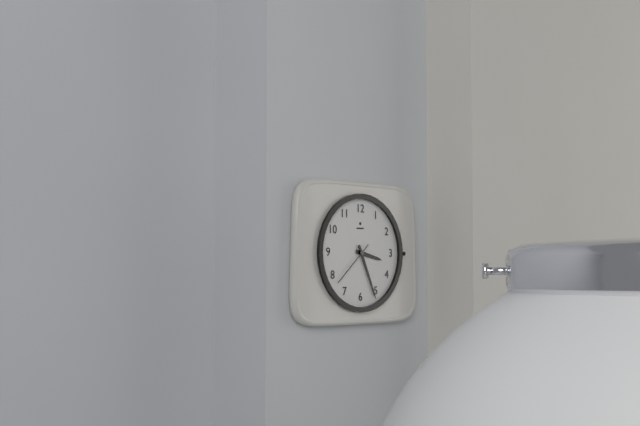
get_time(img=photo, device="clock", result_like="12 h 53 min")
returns 3 h 26 min
